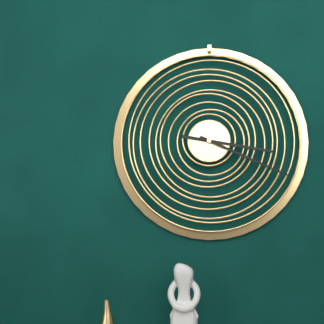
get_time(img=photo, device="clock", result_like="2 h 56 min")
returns 3 h 19 min
